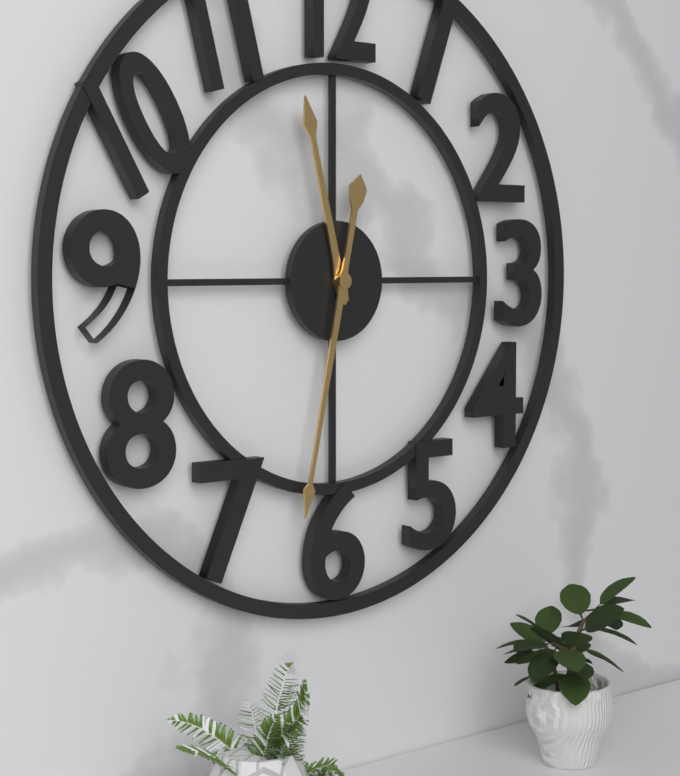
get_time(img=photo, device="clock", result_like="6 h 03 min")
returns 11 h 32 min
